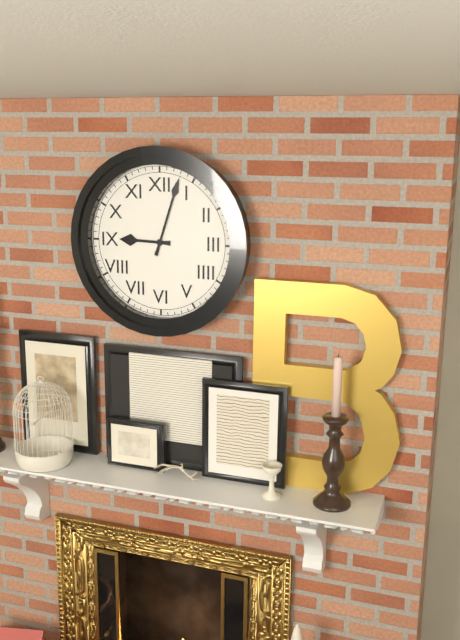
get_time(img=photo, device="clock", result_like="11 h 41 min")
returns 9 h 03 min
